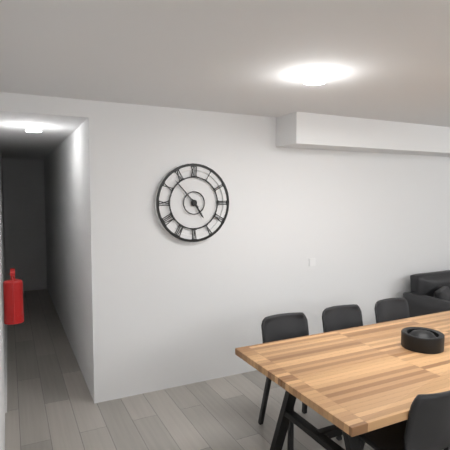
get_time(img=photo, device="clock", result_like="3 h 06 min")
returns 4 h 53 min
